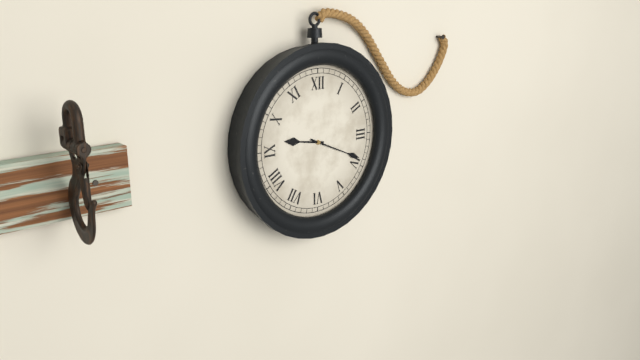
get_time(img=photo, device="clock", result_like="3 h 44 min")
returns 9 h 19 min
